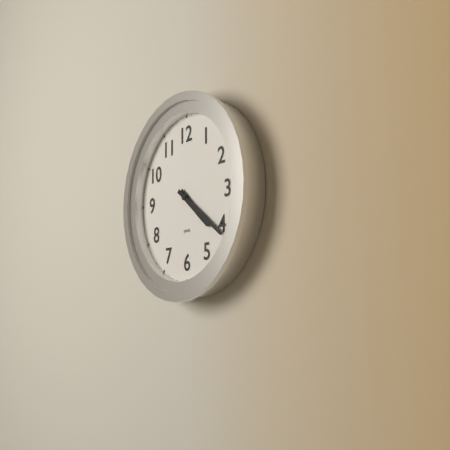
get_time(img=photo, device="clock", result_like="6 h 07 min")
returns 4 h 21 min
